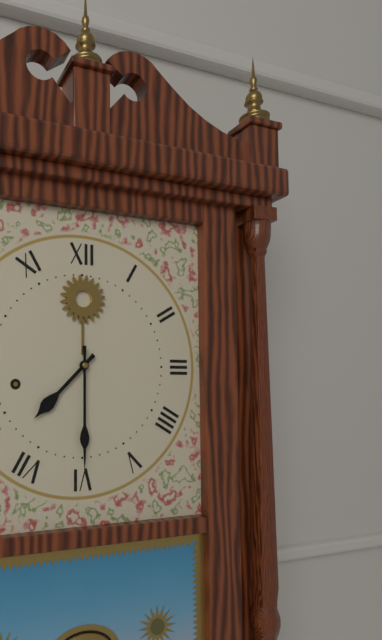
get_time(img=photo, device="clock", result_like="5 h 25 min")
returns 7 h 30 min
